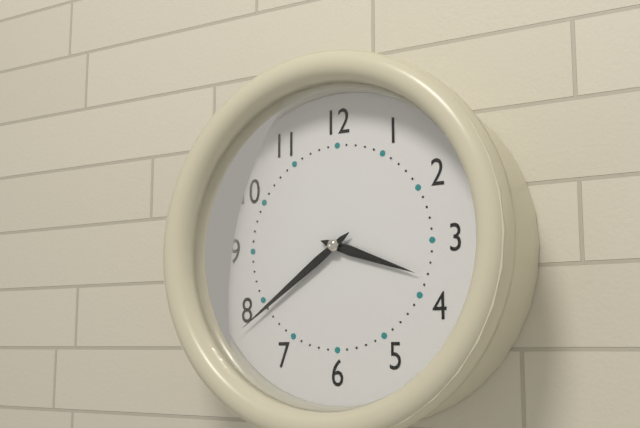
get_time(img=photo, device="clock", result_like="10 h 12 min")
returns 3 h 39 min
